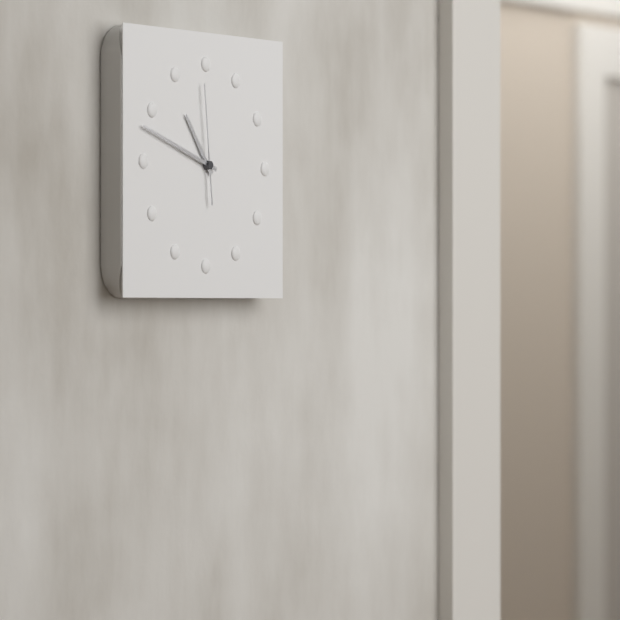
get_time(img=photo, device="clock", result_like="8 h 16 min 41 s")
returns 10 h 48 min 59 s
